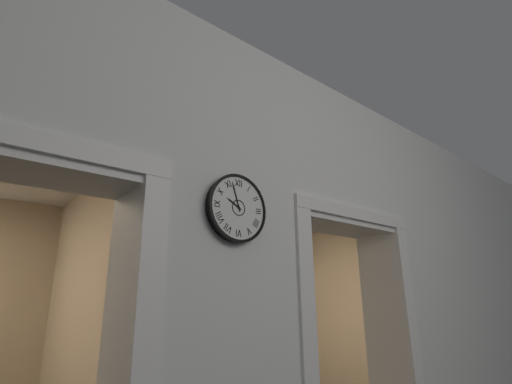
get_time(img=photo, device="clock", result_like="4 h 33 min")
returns 9 h 57 min
